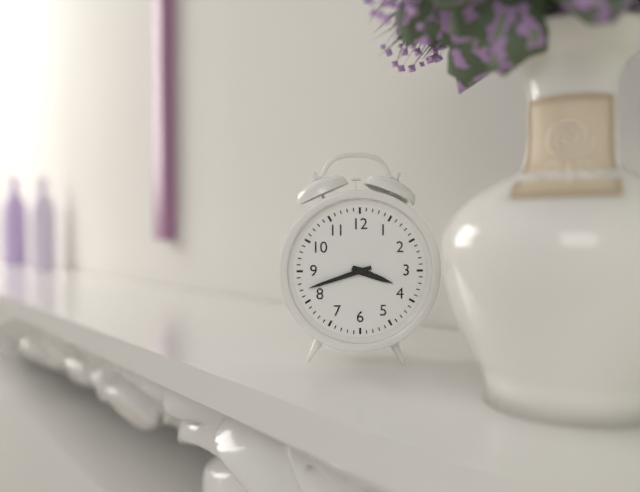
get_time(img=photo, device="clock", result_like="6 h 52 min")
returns 3 h 42 min
